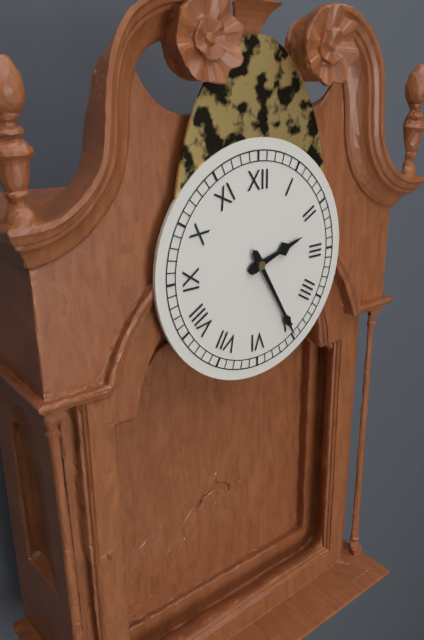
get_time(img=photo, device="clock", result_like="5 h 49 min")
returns 2 h 25 min
